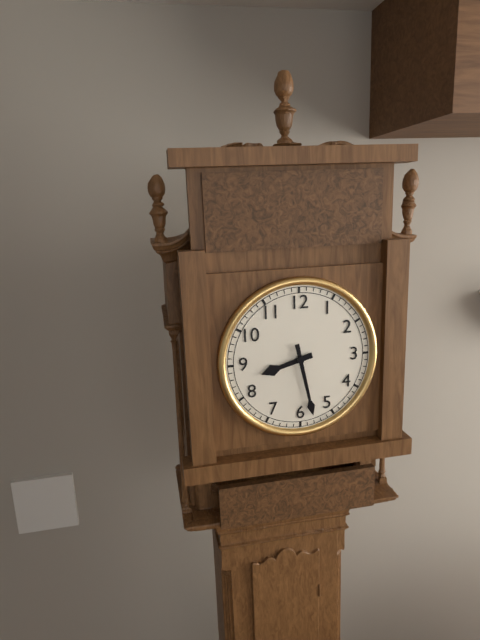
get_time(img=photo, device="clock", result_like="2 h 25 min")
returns 8 h 28 min
